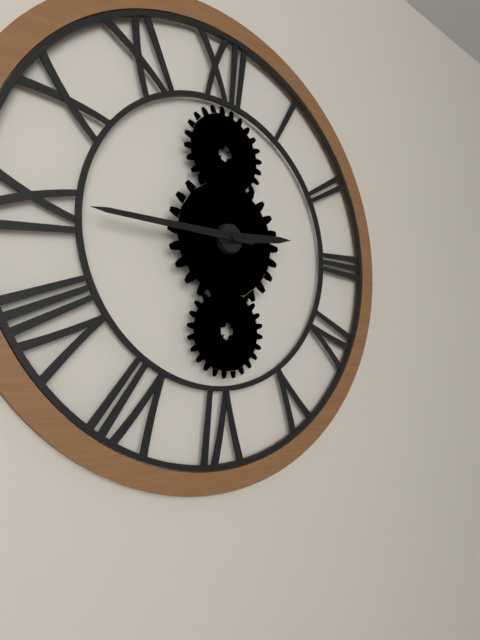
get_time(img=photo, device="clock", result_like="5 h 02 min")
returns 2 h 45 min
